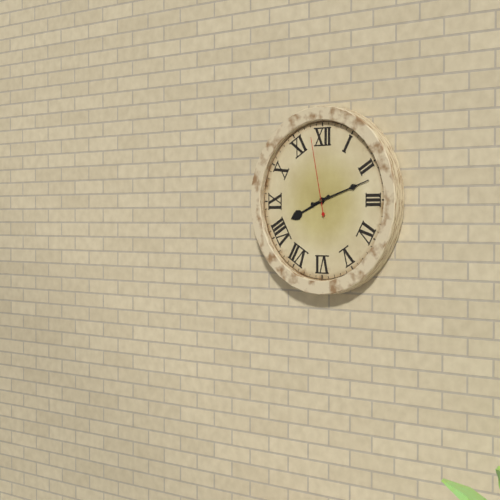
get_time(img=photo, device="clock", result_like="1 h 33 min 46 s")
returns 8 h 12 min 58 s
